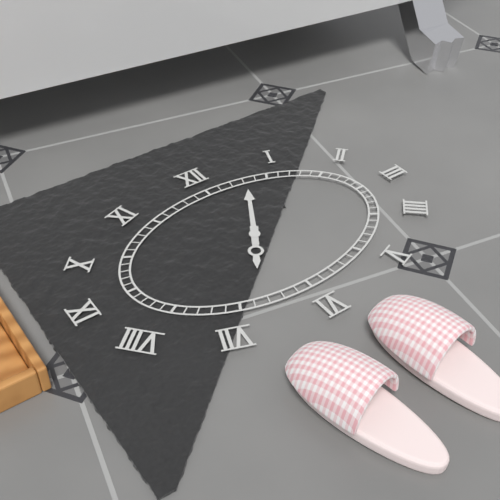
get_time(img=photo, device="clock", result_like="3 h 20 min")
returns 7 h 05 min
